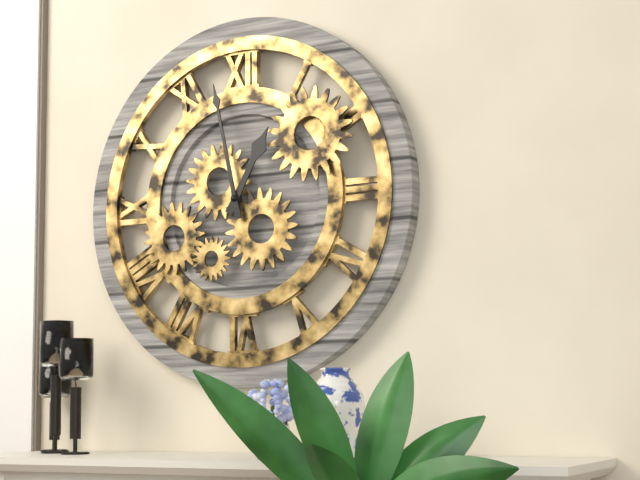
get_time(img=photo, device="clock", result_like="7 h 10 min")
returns 12 h 58 min
